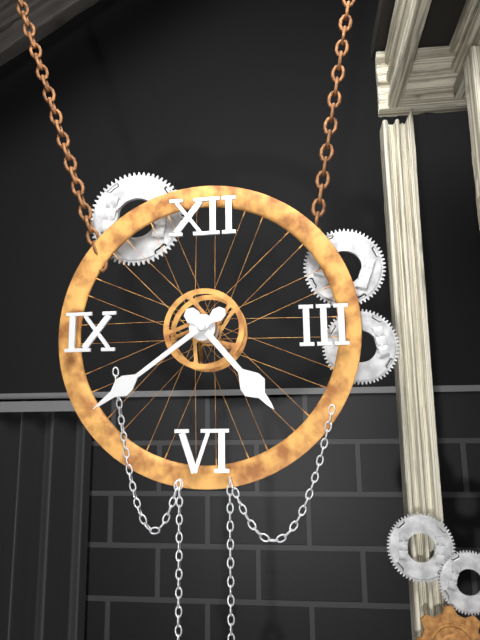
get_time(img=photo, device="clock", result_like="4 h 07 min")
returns 4 h 39 min
